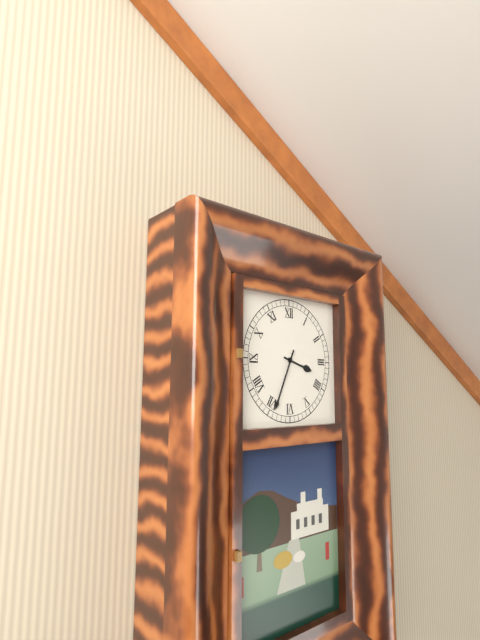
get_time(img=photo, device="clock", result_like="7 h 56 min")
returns 3 h 34 min
